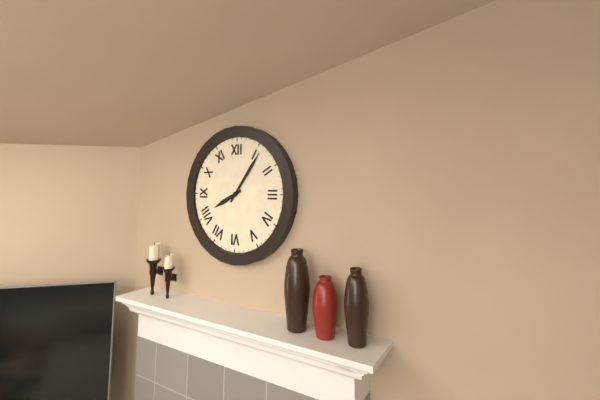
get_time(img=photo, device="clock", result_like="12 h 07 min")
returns 8 h 06 min
